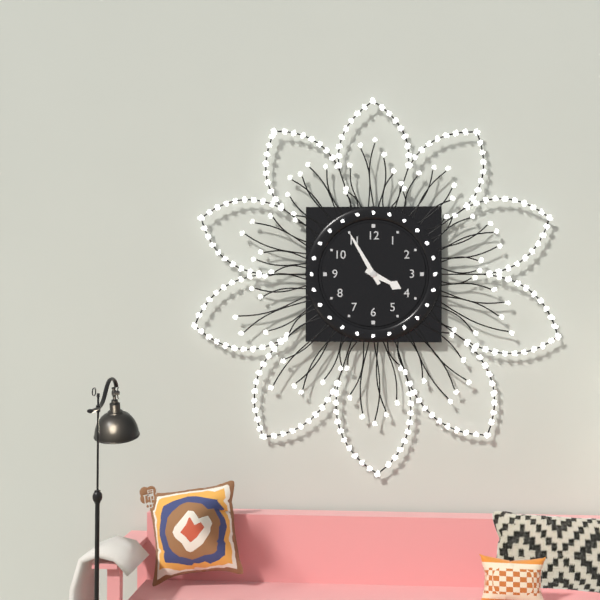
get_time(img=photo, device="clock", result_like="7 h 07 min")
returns 3 h 55 min
